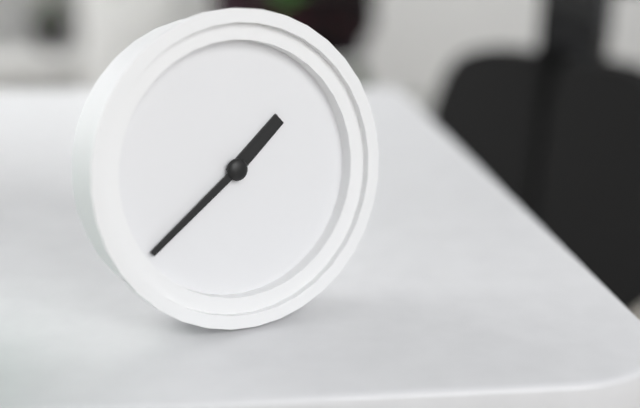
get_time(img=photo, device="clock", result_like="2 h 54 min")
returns 1 h 39 min
